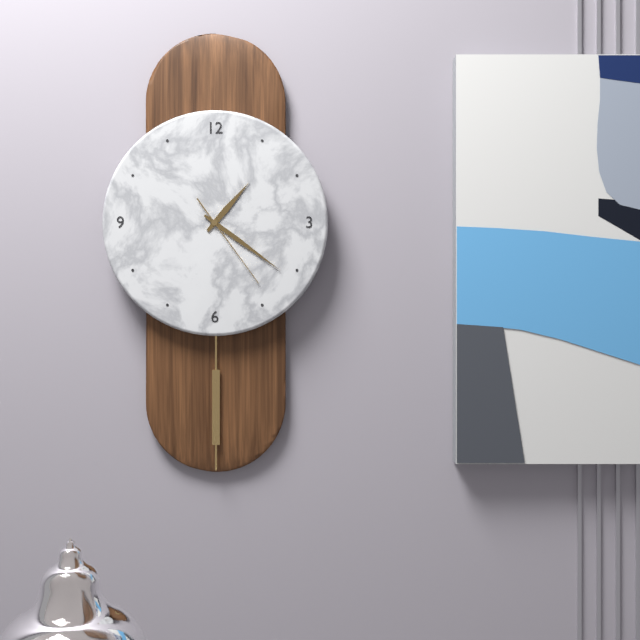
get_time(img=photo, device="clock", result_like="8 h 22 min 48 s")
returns 1 h 21 min 24 s
